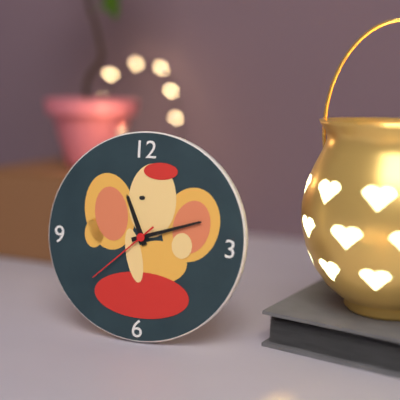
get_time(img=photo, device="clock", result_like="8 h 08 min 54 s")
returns 11 h 12 min 38 s
